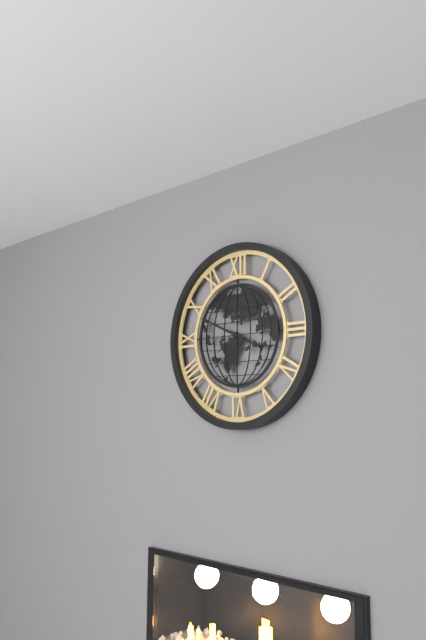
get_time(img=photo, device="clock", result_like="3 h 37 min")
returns 3 h 49 min
